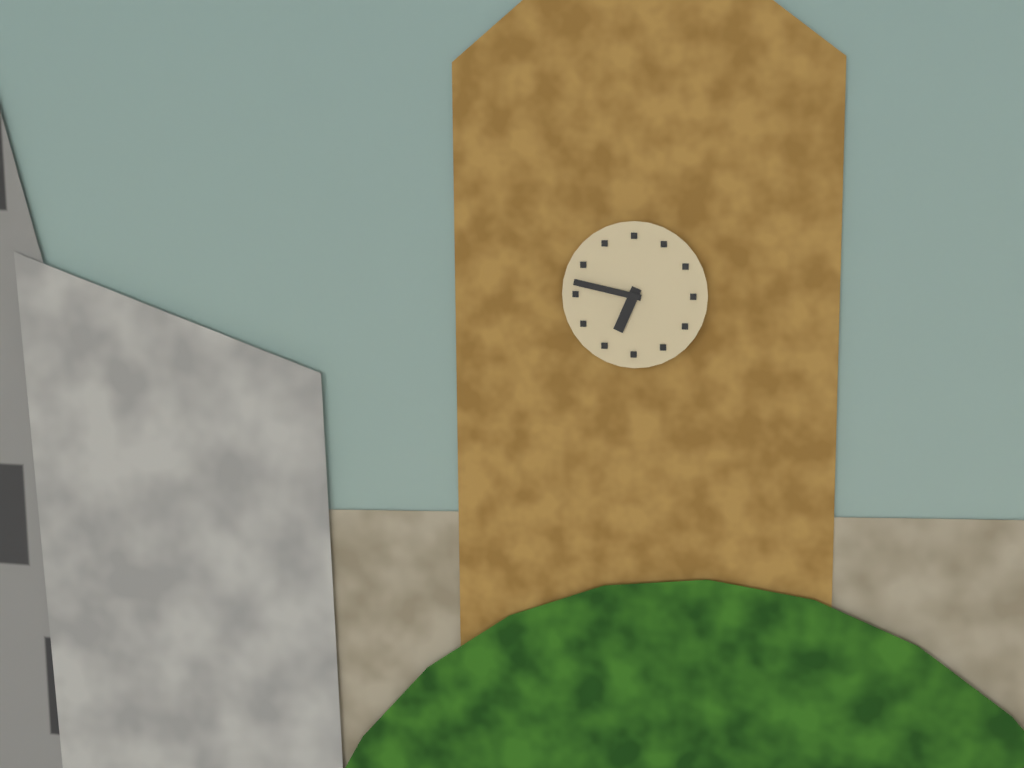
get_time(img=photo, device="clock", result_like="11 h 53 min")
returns 6 h 47 min
